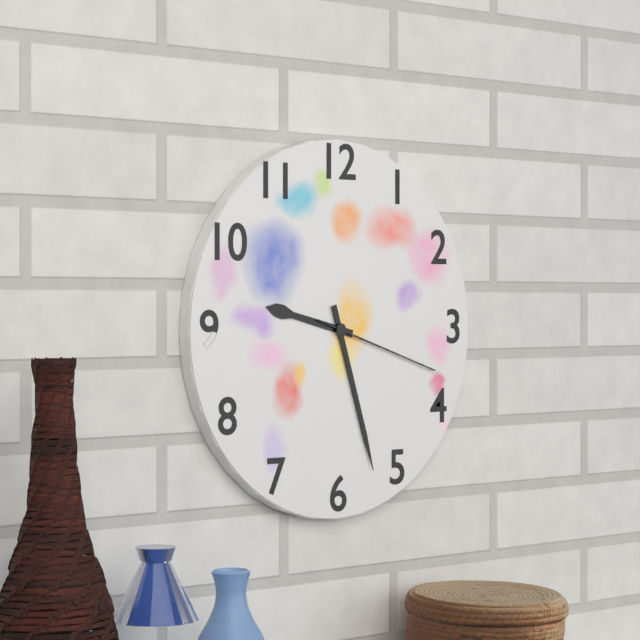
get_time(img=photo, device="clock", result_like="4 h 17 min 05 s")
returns 9 h 27 min 18 s
